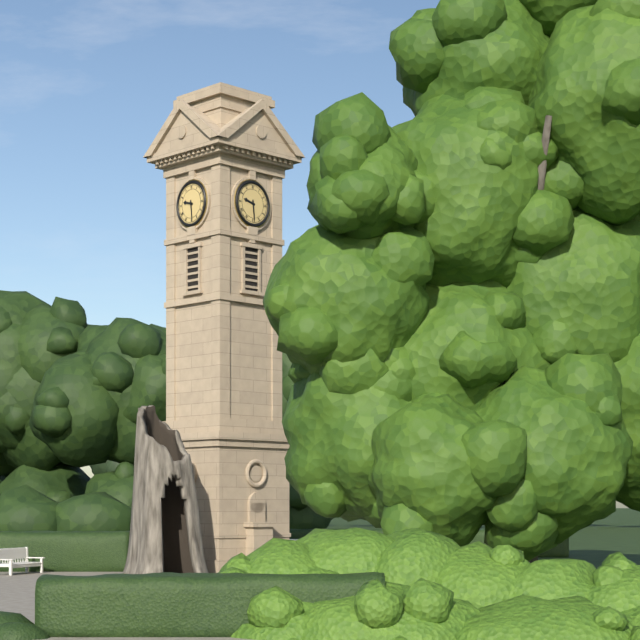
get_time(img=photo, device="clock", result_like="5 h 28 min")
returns 9 h 29 min
